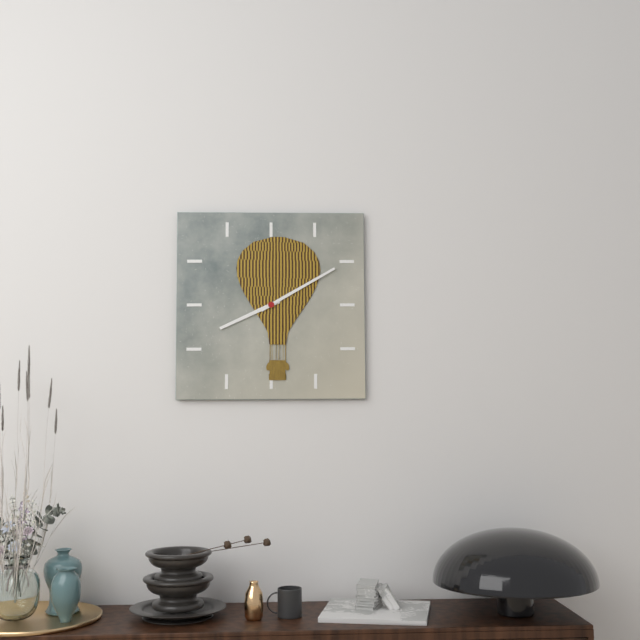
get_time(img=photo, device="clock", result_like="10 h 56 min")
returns 8 h 10 min
